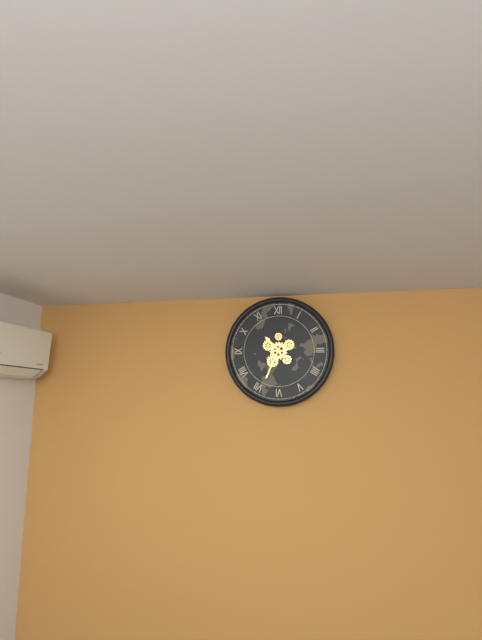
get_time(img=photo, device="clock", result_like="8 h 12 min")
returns 10 h 34 min
